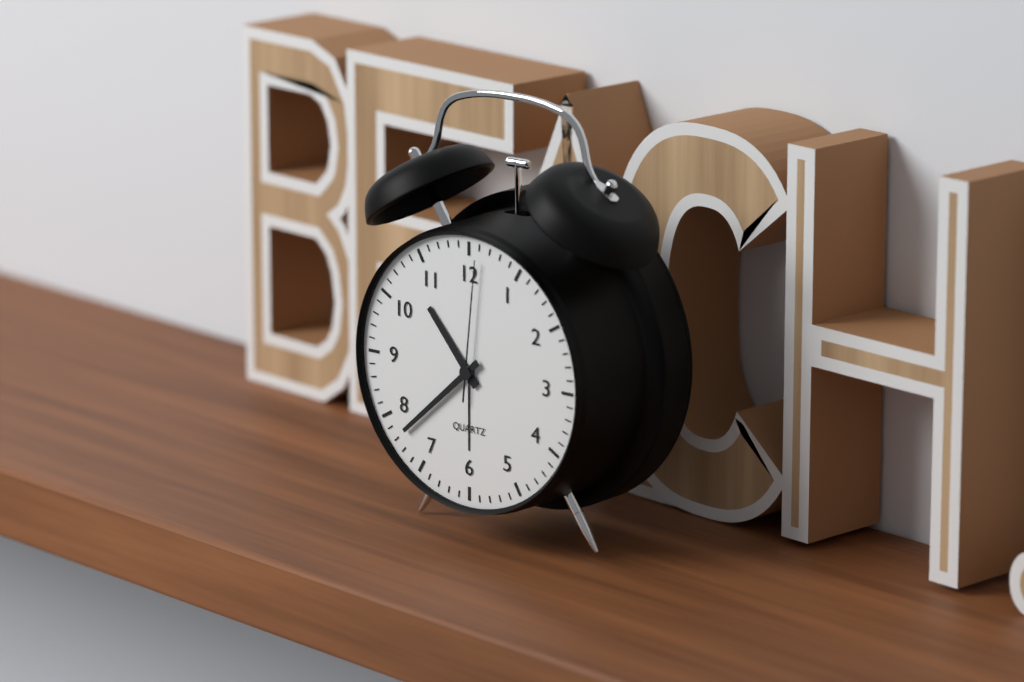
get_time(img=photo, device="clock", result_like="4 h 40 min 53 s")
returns 10 h 38 min 01 s
